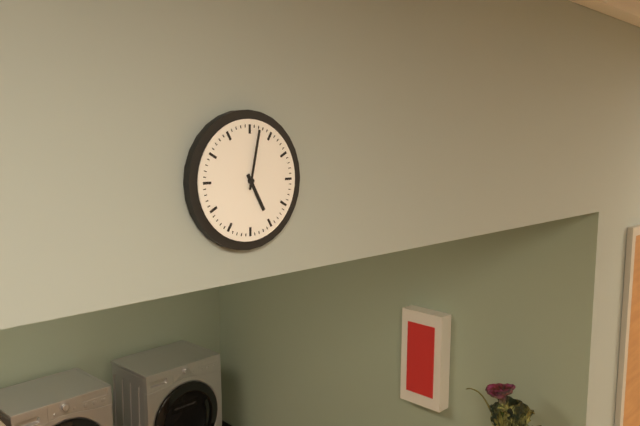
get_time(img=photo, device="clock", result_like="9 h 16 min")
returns 5 h 02 min
